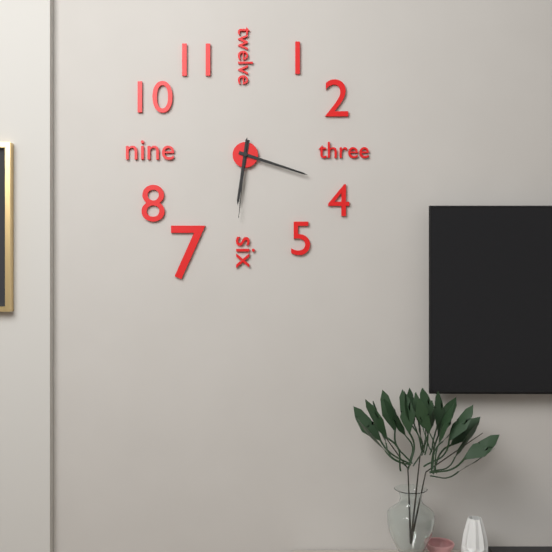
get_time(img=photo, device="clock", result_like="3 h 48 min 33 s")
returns 6 h 18 min 31 s
